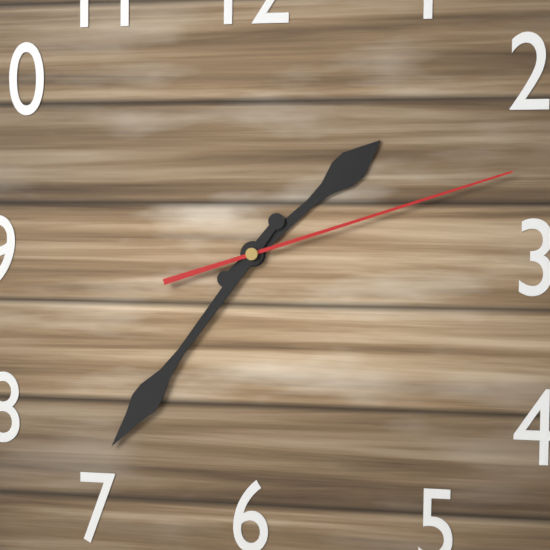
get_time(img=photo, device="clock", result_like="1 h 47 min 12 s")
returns 1 h 36 min 12 s
